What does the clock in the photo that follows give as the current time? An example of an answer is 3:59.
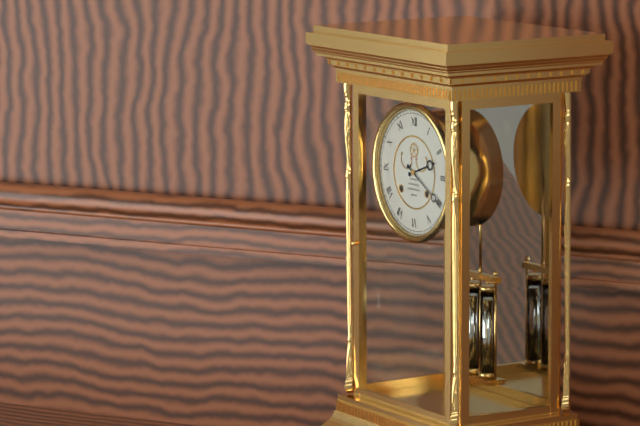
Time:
2:20
